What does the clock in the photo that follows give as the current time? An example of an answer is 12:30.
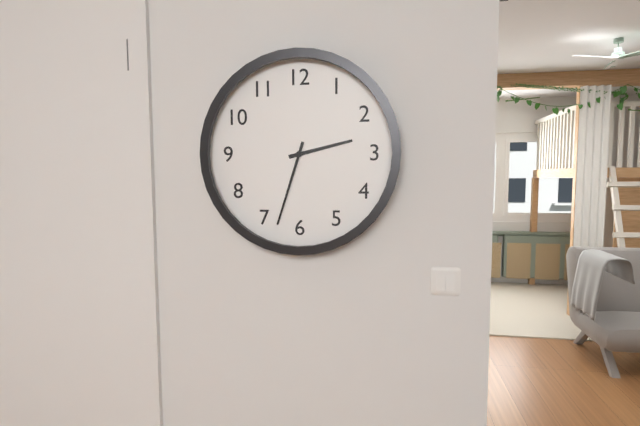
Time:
2:33
